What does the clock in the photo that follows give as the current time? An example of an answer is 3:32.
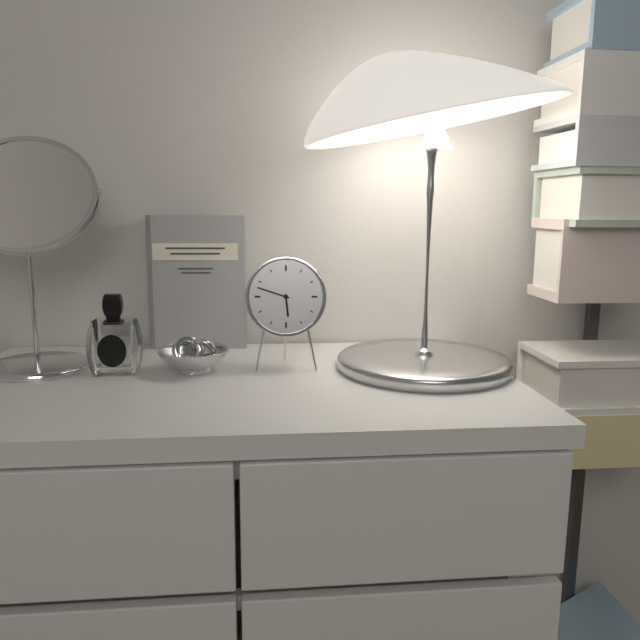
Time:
5:48
